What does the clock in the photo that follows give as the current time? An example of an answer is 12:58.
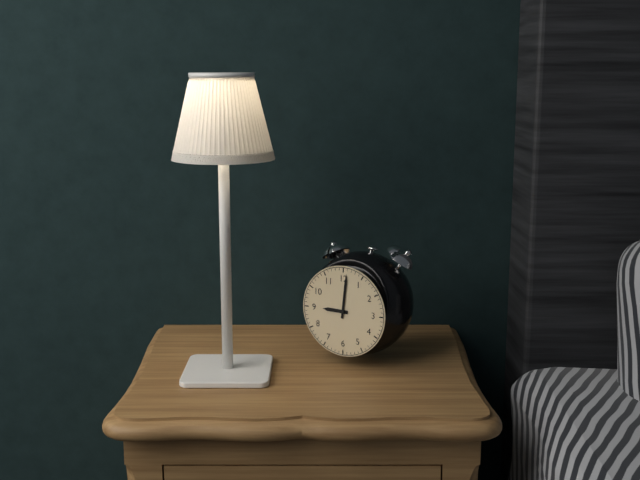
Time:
9:01
